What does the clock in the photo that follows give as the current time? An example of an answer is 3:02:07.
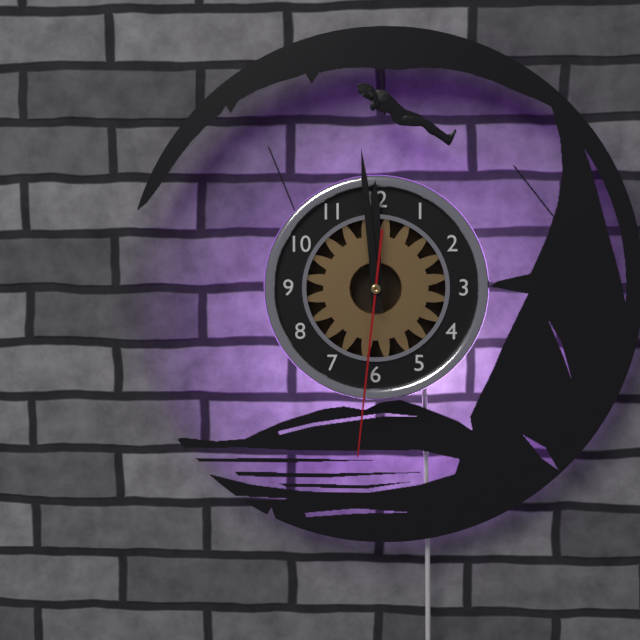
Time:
11:59:31
